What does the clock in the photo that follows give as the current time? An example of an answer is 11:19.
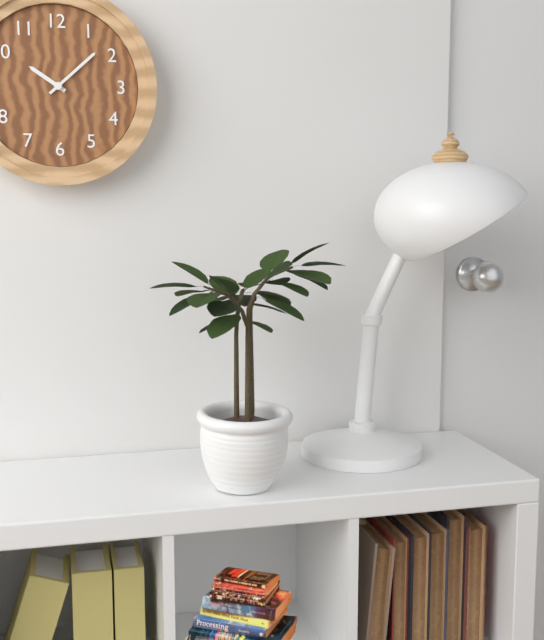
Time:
10:08
